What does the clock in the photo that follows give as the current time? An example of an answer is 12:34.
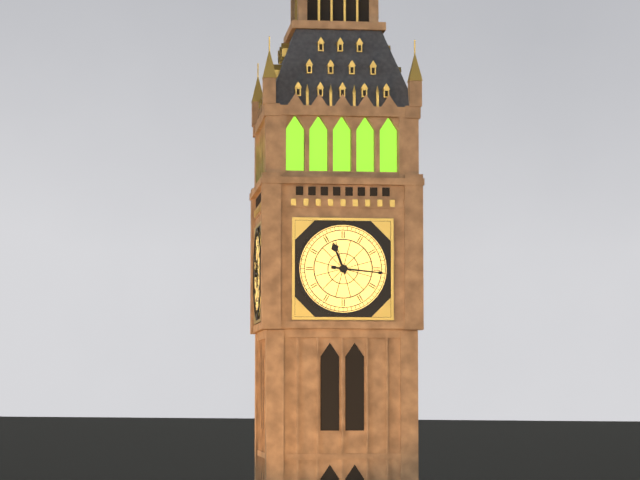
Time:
11:16
